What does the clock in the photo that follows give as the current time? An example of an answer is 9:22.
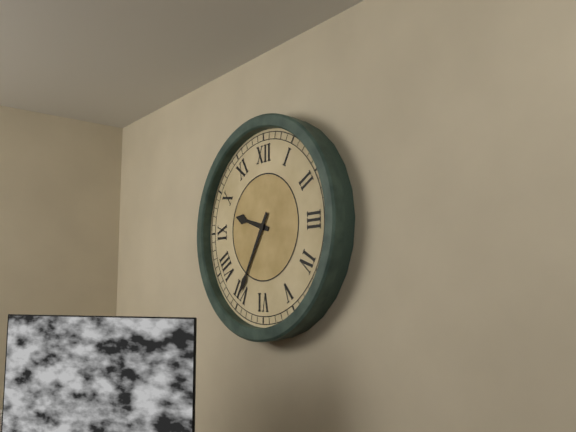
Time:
9:35
